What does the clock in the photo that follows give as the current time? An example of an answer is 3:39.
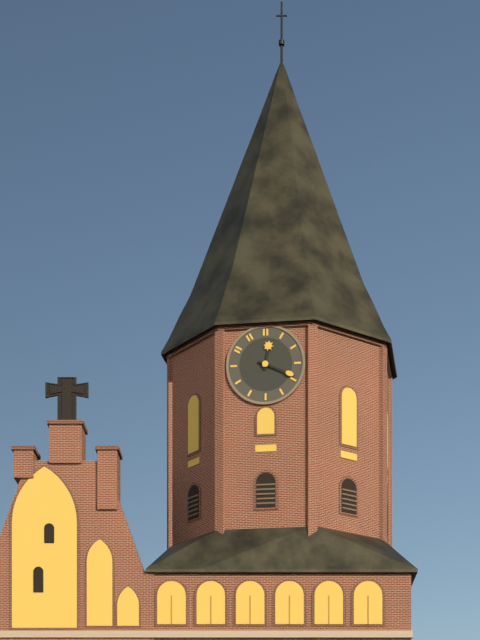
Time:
12:19
